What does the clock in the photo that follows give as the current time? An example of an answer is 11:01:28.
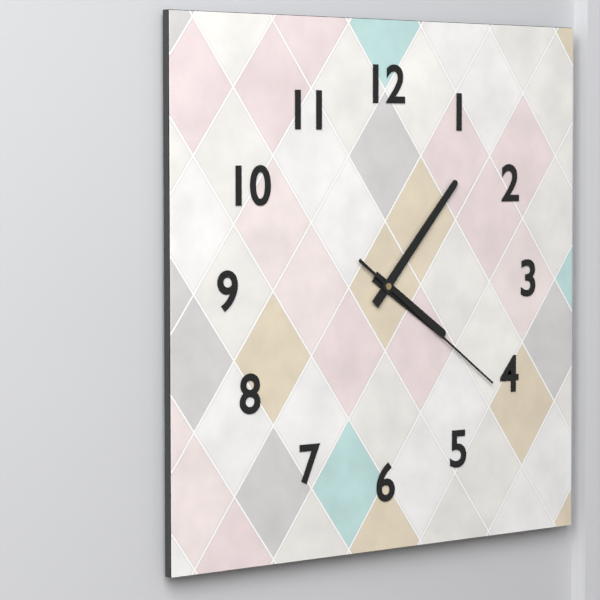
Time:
4:07:21
